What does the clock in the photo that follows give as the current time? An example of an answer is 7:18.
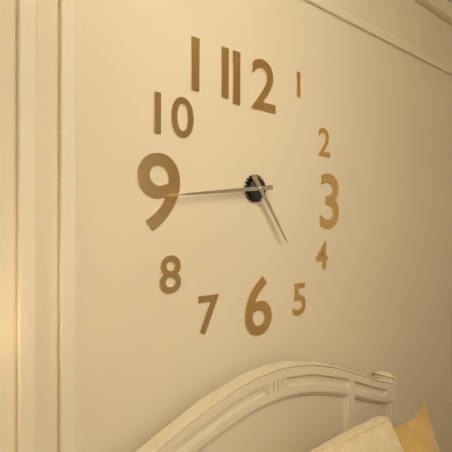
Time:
4:44
